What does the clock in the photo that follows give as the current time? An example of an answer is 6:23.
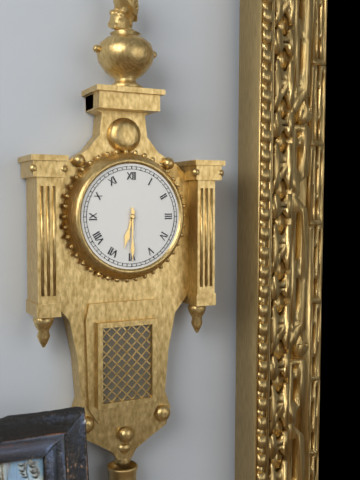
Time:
6:30
